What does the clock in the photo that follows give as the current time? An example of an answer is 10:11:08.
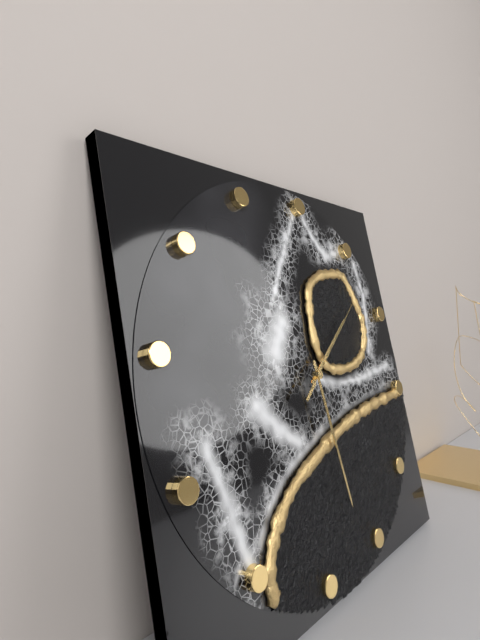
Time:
1:27:07
